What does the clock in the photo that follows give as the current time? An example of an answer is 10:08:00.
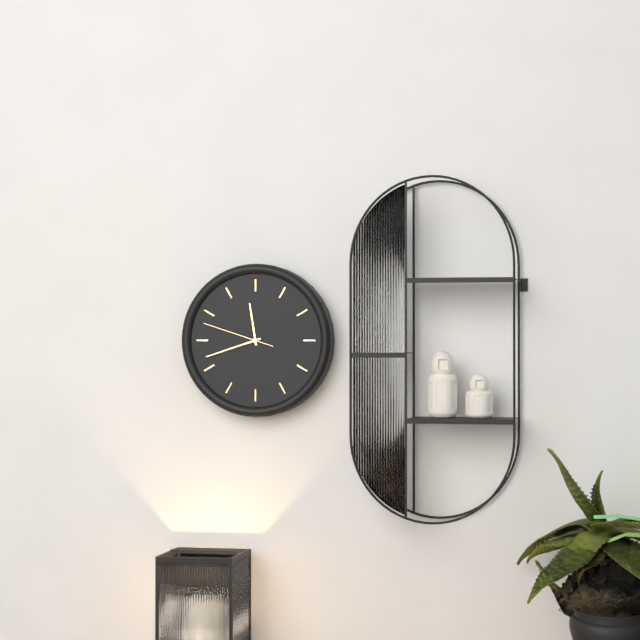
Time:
11:42:48
